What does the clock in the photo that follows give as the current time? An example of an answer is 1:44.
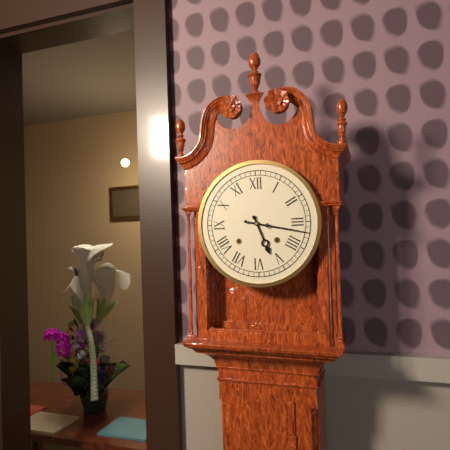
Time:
5:17
